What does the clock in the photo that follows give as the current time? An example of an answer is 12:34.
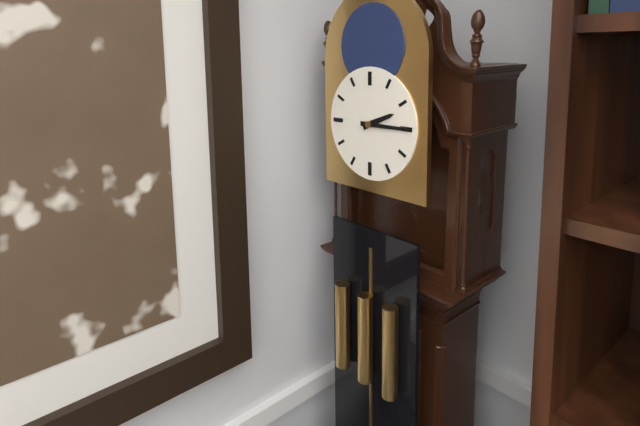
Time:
2:15
